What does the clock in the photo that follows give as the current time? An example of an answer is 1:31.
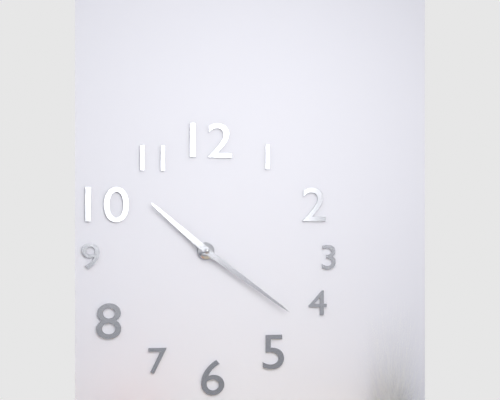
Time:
10:21
